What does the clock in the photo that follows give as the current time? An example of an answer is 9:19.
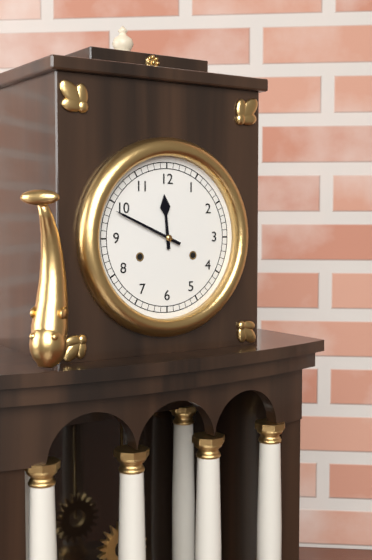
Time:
11:49
